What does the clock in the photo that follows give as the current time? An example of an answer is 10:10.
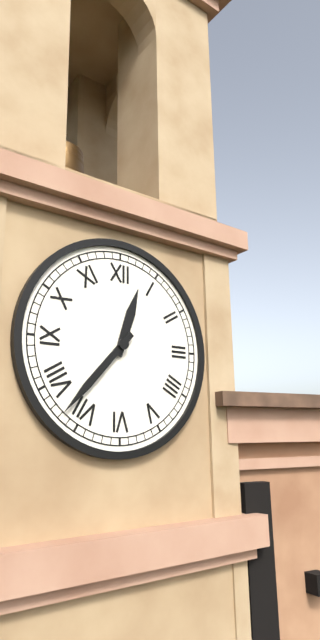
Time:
12:37
